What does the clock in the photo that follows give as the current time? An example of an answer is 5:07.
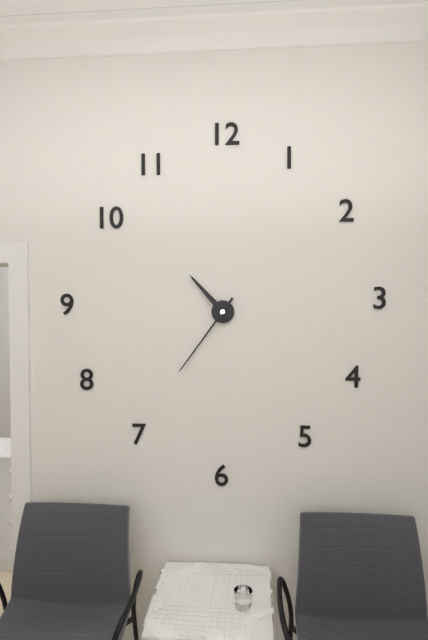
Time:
10:36
